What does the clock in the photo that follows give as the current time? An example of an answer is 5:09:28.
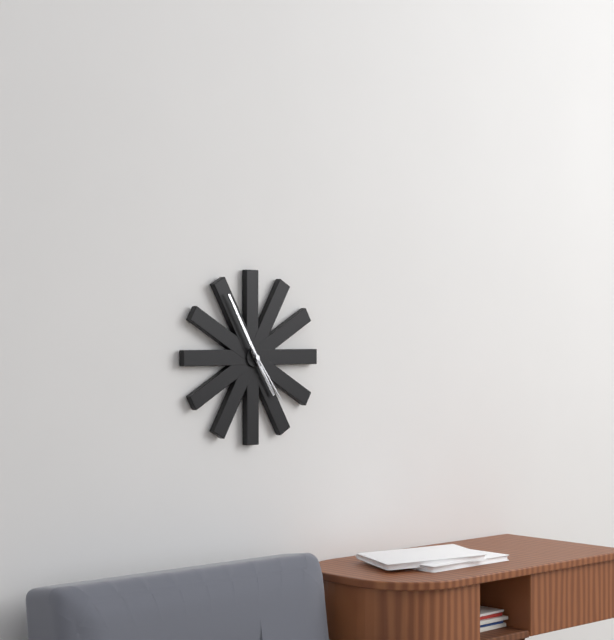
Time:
4:55:24
